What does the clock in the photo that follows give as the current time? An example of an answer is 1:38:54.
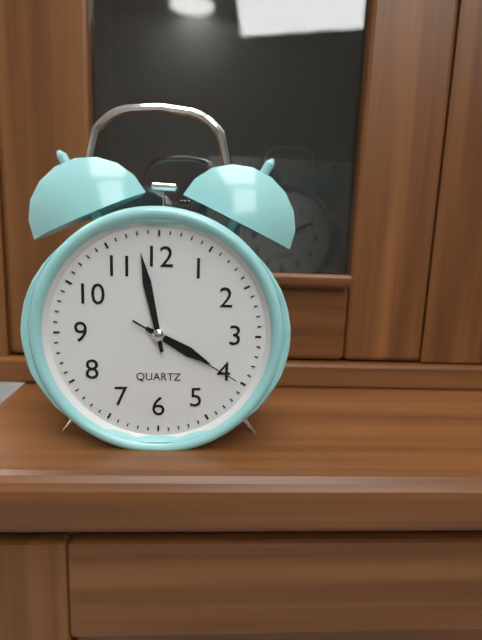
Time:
3:58:20
